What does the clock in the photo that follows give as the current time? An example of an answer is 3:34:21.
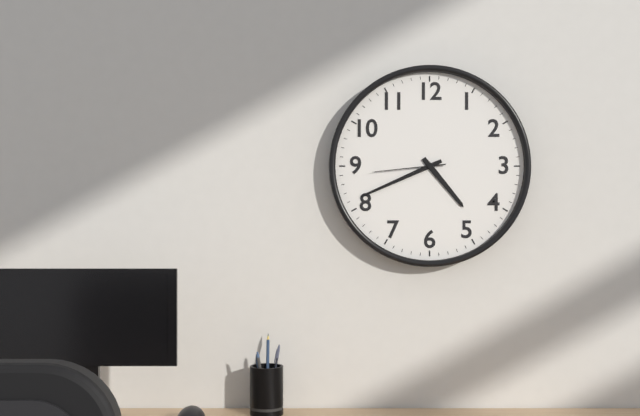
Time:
4:41:44
